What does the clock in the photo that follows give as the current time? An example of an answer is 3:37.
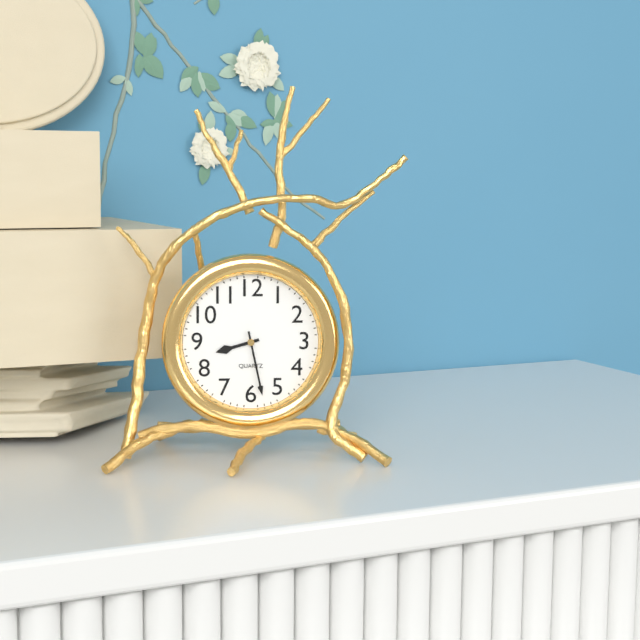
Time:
8:28
